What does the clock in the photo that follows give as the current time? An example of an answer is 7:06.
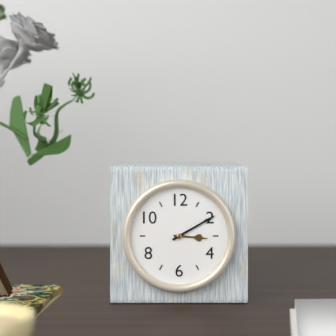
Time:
3:10
